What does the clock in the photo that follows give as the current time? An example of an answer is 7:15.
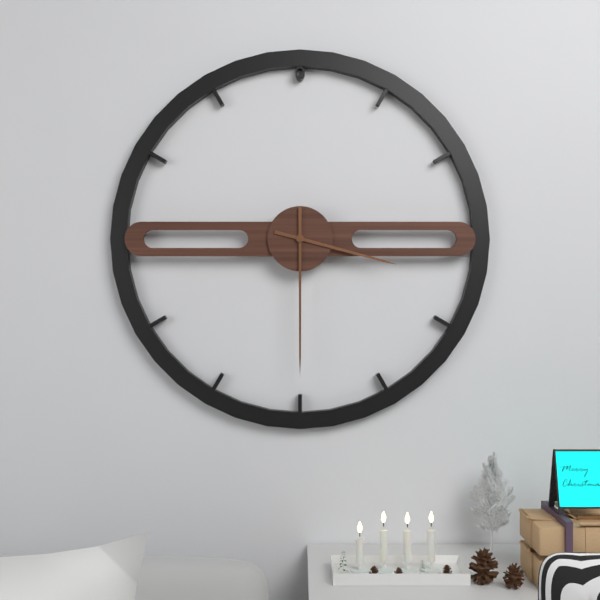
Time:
3:30
